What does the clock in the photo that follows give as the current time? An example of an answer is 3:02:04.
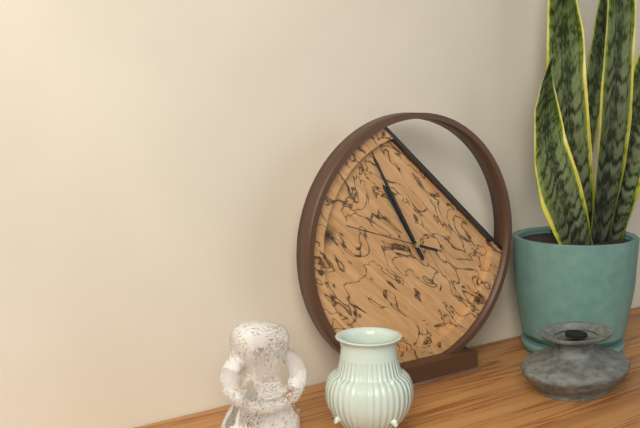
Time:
10:55:48
